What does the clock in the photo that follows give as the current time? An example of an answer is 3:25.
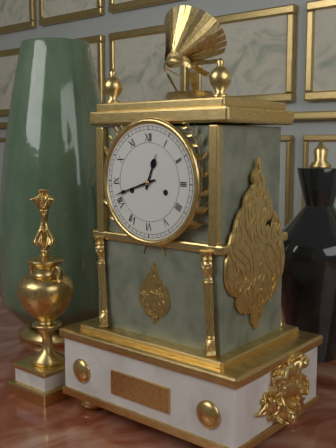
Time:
12:42
